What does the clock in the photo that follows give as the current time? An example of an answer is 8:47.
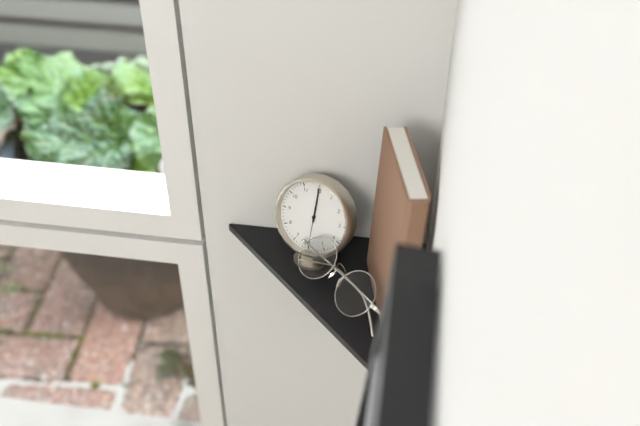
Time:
12:00
